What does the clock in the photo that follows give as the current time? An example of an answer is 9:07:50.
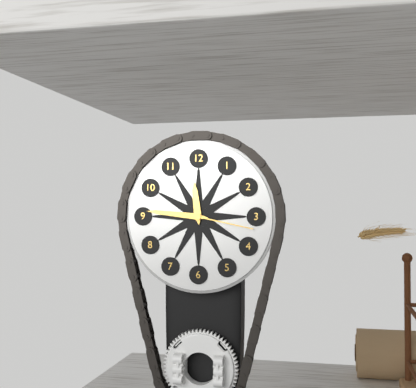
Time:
11:46:17
